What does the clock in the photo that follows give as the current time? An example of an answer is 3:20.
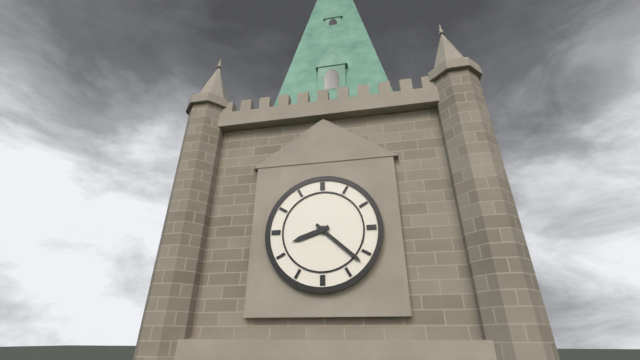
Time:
8:22
